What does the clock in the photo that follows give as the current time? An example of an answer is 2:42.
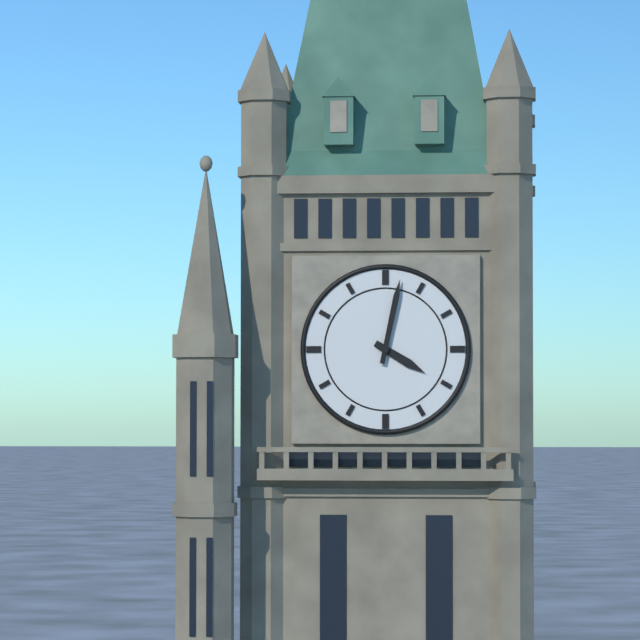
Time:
4:02
